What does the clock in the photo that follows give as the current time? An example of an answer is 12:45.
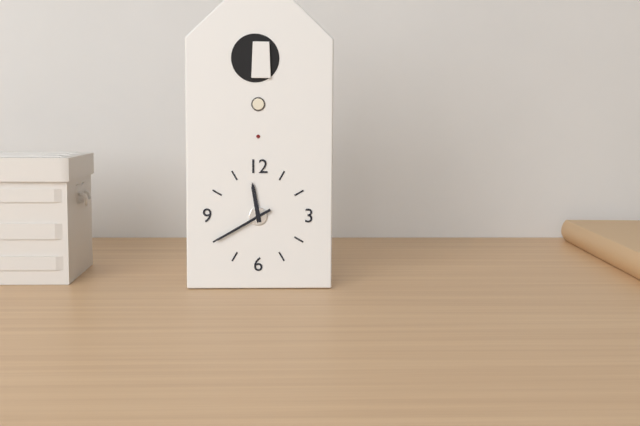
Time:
11:40
